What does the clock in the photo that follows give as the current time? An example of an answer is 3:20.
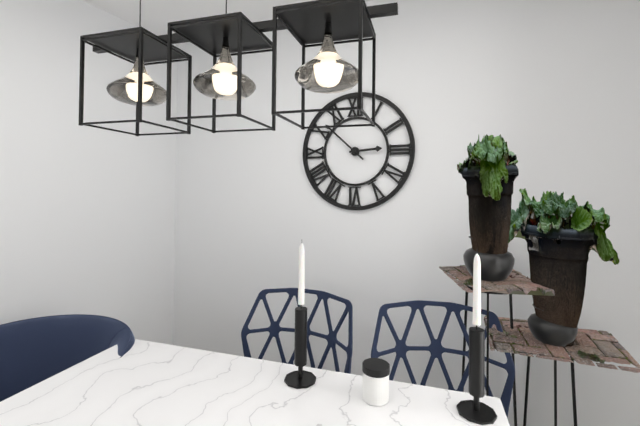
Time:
2:52
